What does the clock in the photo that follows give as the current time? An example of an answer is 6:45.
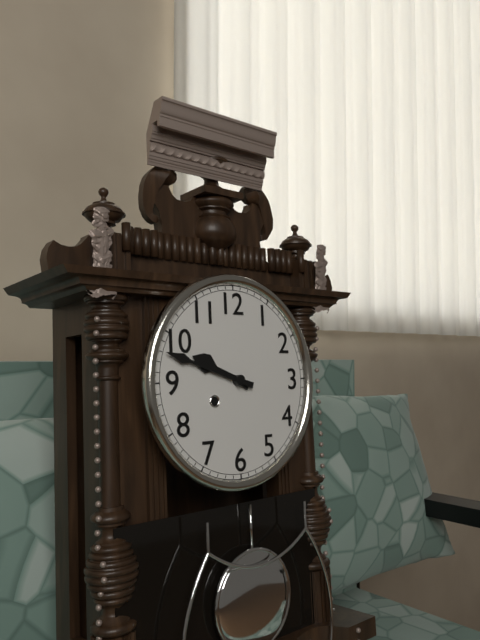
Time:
9:48
